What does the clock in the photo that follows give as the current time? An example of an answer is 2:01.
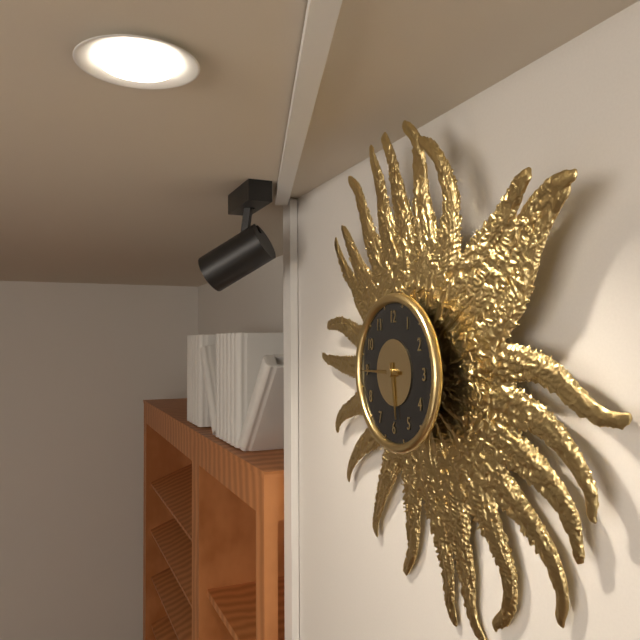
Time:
5:45
